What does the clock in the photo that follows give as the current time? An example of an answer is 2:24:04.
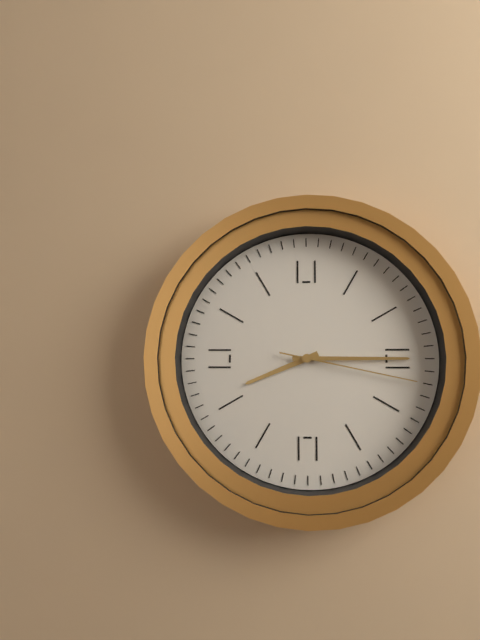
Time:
8:15:17
